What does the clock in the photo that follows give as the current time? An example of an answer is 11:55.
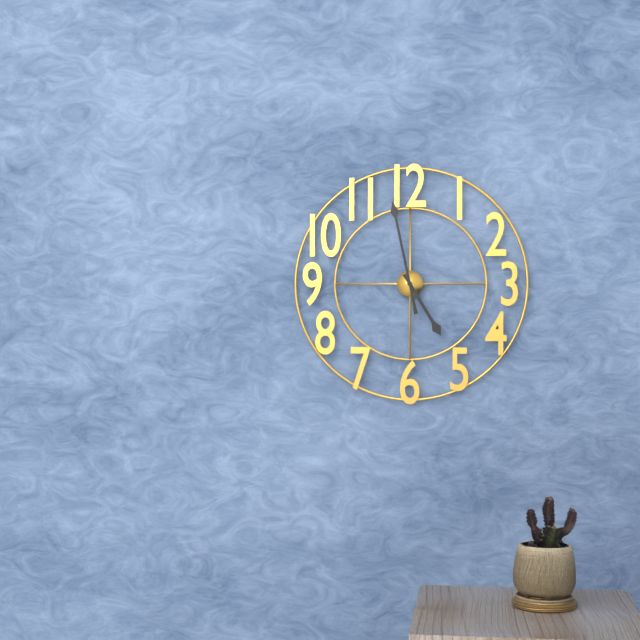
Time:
4:58
